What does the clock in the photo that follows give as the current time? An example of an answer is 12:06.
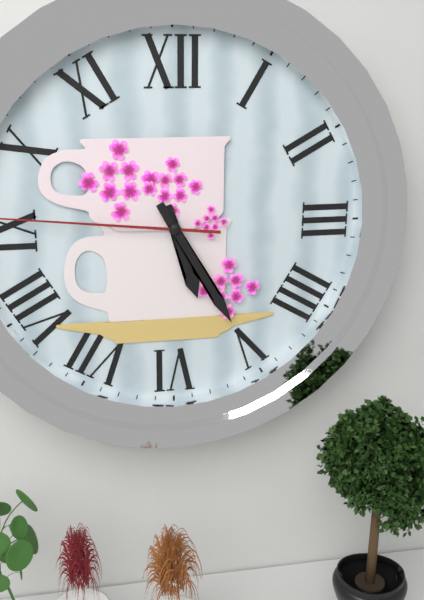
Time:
5:25
